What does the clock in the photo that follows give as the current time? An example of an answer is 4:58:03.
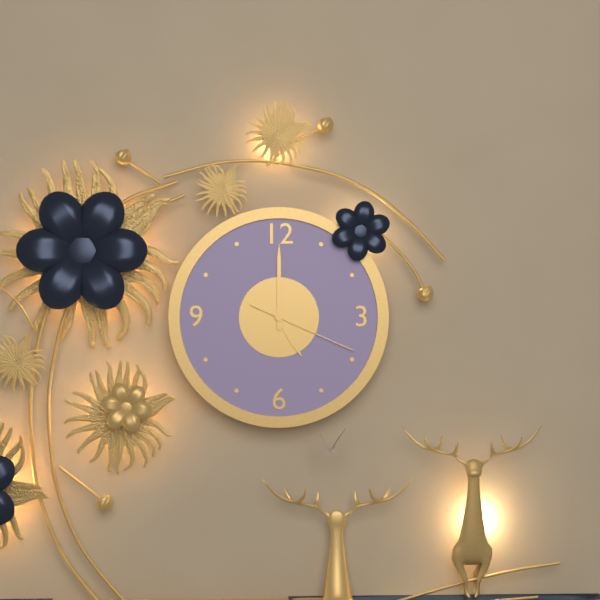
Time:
5:00:19
